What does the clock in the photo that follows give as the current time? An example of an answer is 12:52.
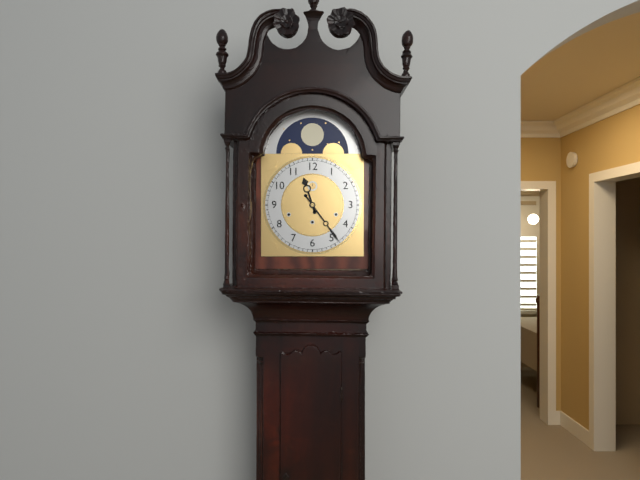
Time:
11:24
